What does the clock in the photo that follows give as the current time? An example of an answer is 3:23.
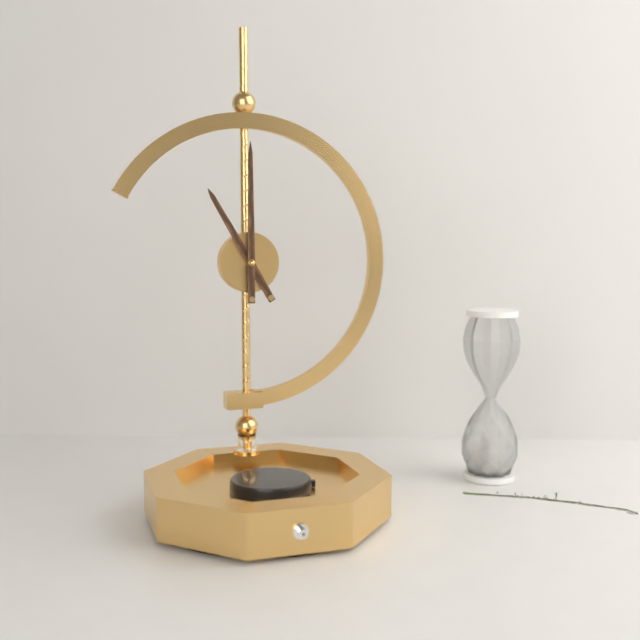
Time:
11:00
